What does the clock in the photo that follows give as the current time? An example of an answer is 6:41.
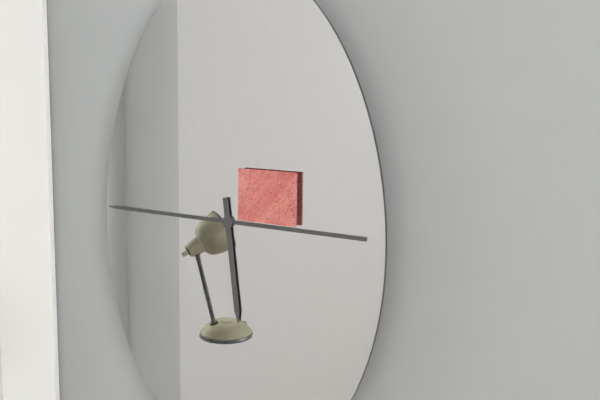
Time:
5:45
